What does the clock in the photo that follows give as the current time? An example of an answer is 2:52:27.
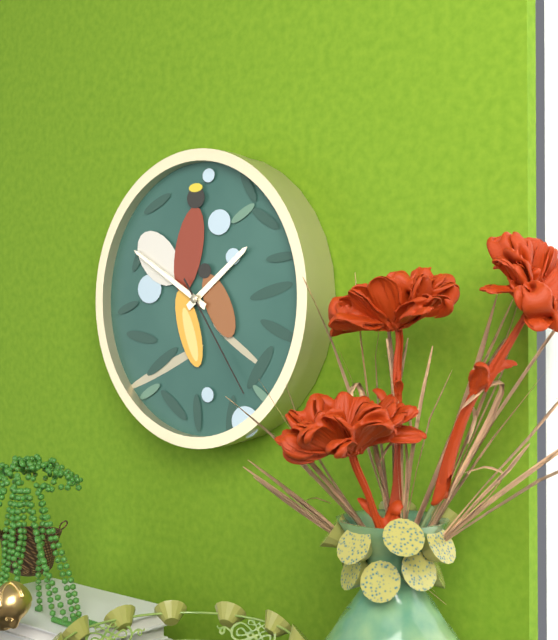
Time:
1:50:24
